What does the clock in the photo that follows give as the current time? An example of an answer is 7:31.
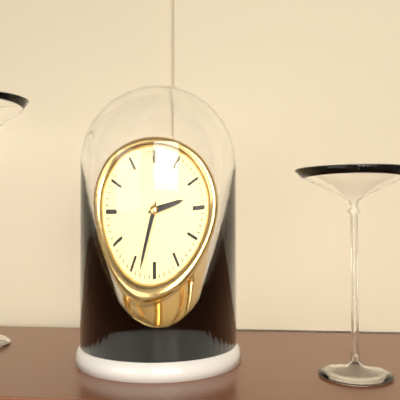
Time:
2:33
